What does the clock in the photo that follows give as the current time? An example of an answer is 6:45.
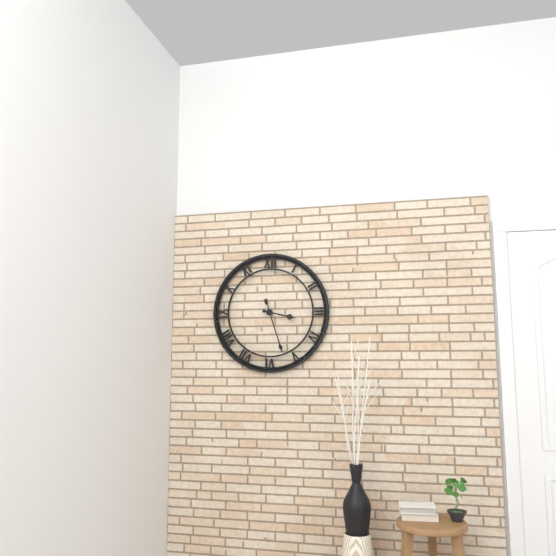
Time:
3:27
